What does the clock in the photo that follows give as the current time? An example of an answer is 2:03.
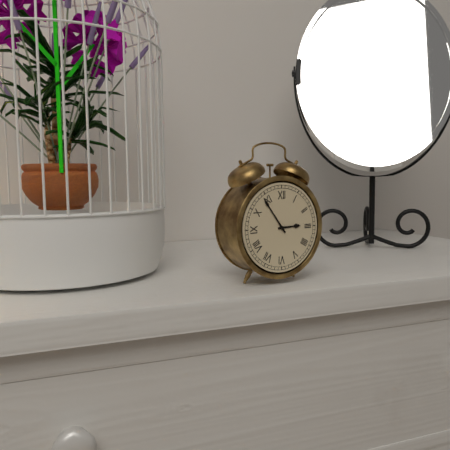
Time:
2:54
